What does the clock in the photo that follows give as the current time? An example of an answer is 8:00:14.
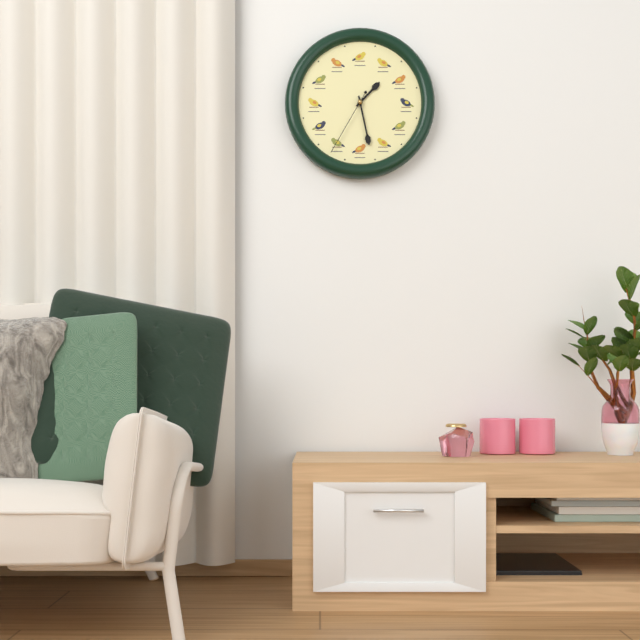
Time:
1:28:35
